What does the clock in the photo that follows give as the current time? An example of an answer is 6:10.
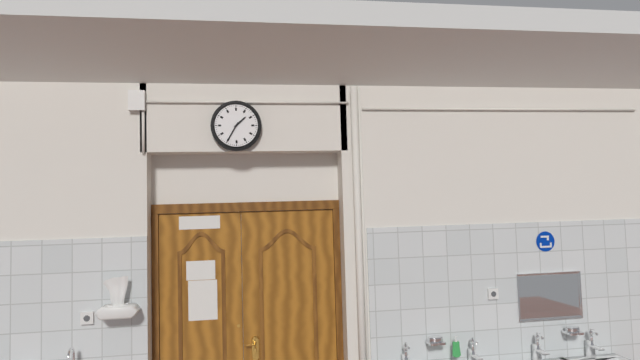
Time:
1:35
